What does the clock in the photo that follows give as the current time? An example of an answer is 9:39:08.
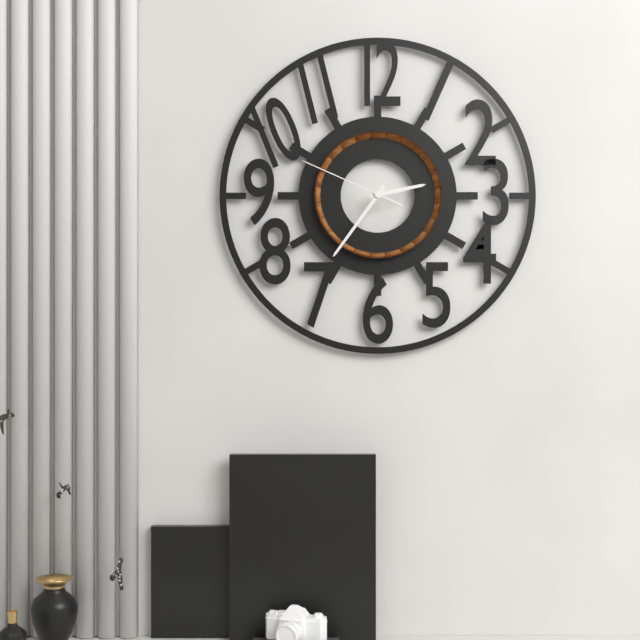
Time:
2:36:49
